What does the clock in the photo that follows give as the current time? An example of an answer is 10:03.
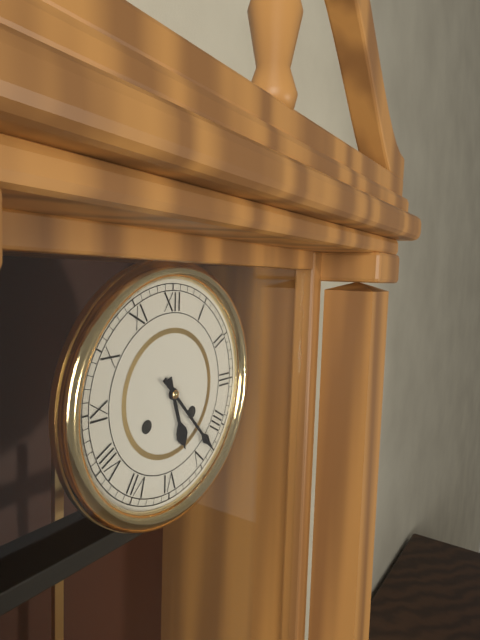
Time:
5:23
